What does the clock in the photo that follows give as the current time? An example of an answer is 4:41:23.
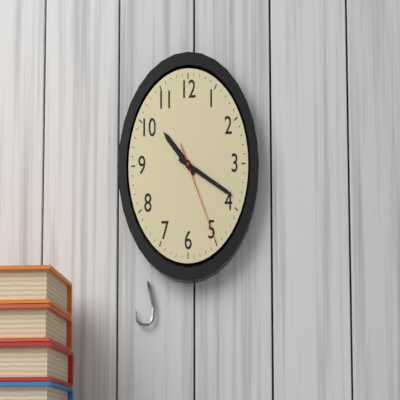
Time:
10:19:25
